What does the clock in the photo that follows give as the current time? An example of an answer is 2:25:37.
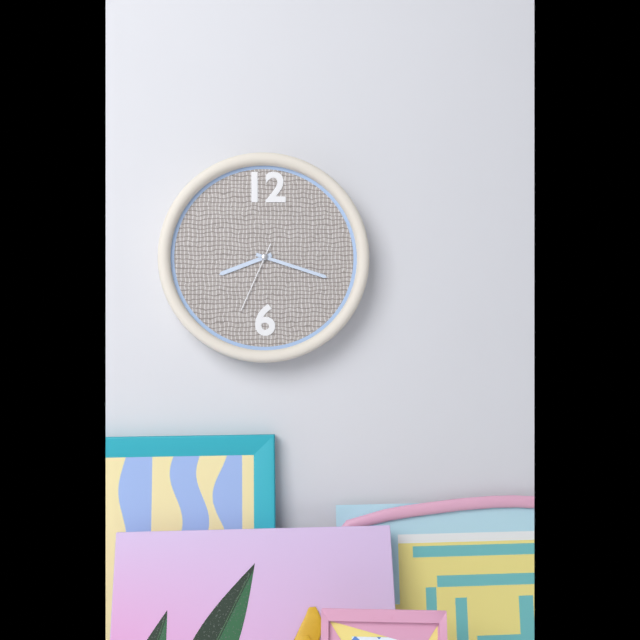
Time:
8:18:34
